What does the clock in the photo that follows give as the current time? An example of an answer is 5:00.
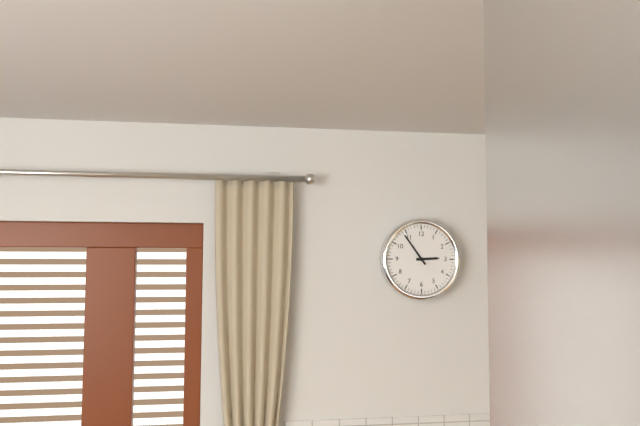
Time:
2:54
